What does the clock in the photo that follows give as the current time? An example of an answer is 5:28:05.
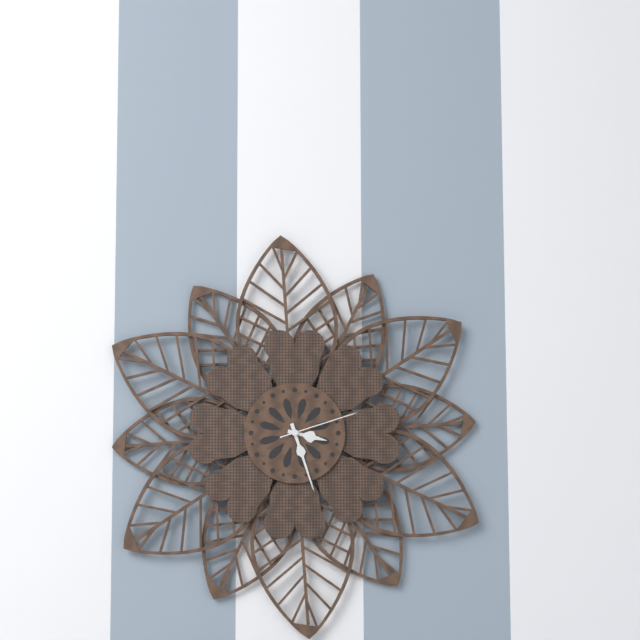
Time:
3:27:12
